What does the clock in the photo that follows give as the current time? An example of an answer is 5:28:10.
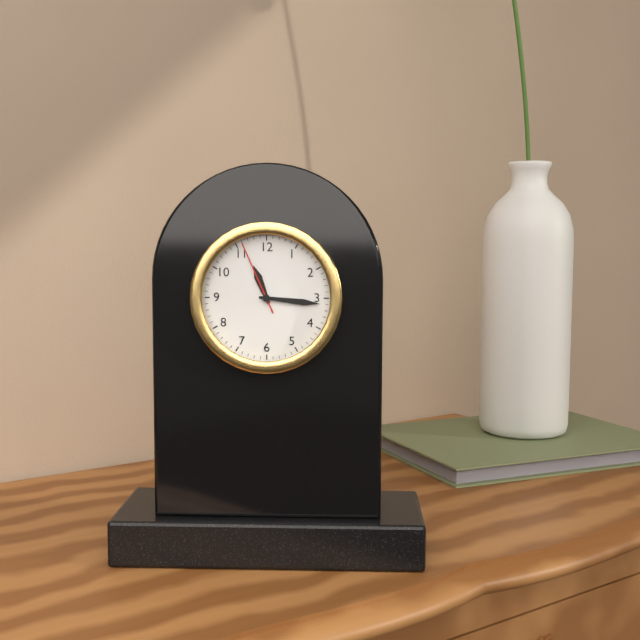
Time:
11:16:56
